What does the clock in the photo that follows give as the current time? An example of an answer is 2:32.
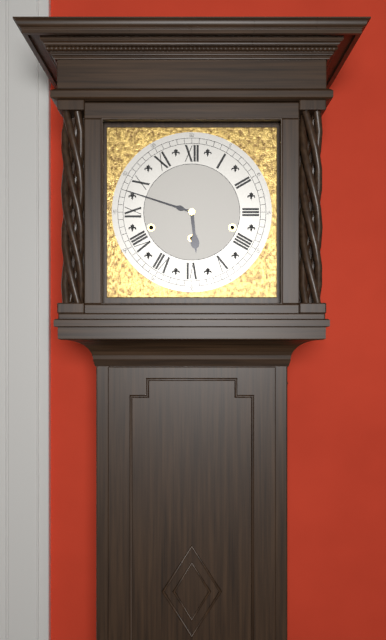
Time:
5:48
